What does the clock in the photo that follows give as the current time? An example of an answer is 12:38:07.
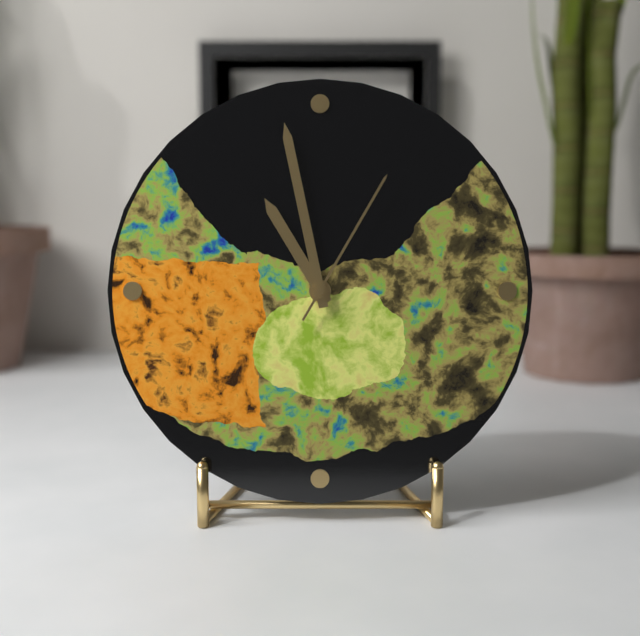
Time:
10:58:05
